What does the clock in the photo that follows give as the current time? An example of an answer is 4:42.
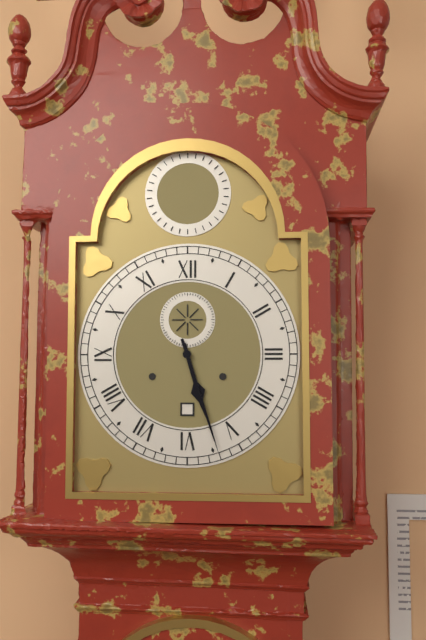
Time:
5:27
